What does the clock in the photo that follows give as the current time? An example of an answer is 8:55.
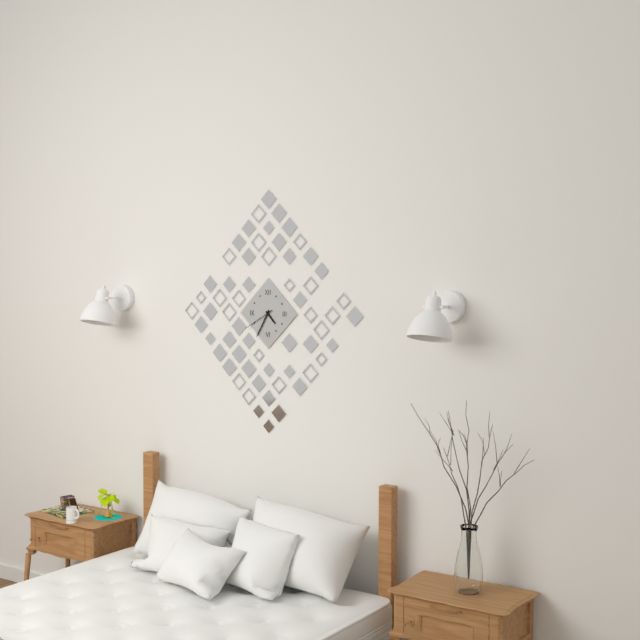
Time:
4:35
